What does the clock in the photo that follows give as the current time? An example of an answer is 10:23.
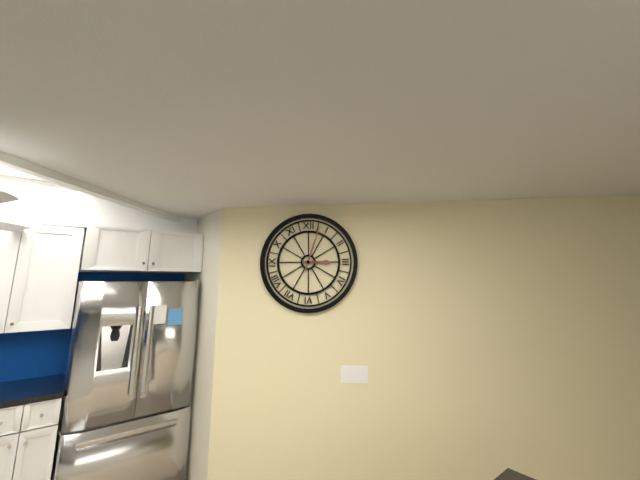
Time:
3:03
